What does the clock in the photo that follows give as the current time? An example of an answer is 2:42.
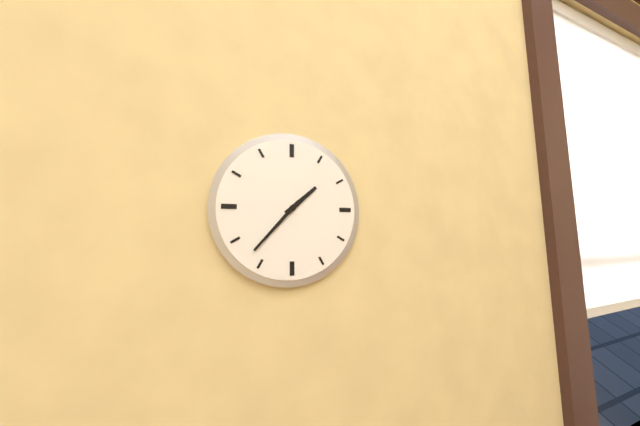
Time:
1:37
